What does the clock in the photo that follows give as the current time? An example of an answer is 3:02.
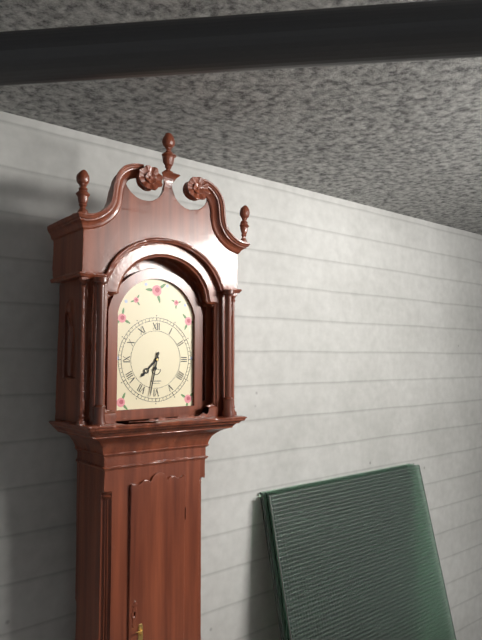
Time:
7:32
